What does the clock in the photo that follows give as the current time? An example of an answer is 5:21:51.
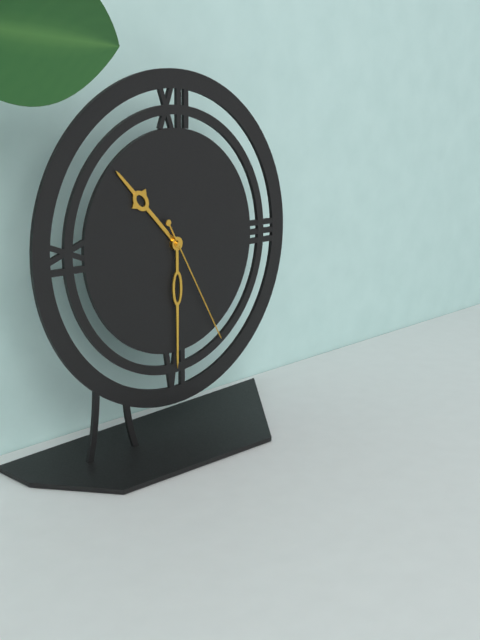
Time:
10:30:25
